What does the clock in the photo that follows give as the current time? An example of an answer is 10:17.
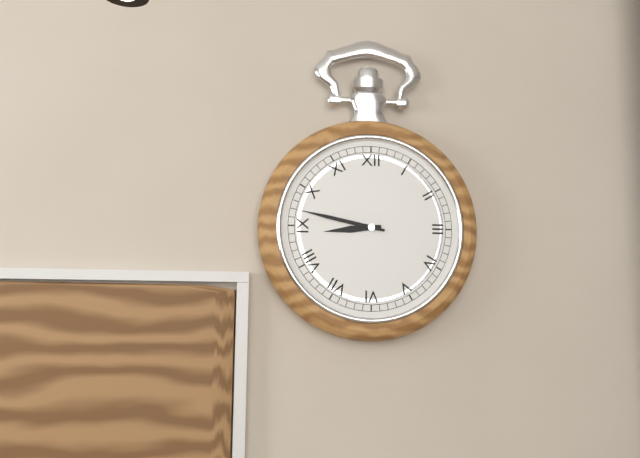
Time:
8:47
